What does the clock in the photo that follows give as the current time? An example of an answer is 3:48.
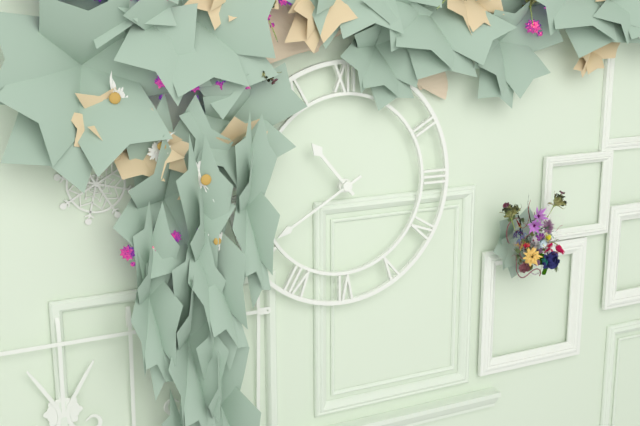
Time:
10:40
